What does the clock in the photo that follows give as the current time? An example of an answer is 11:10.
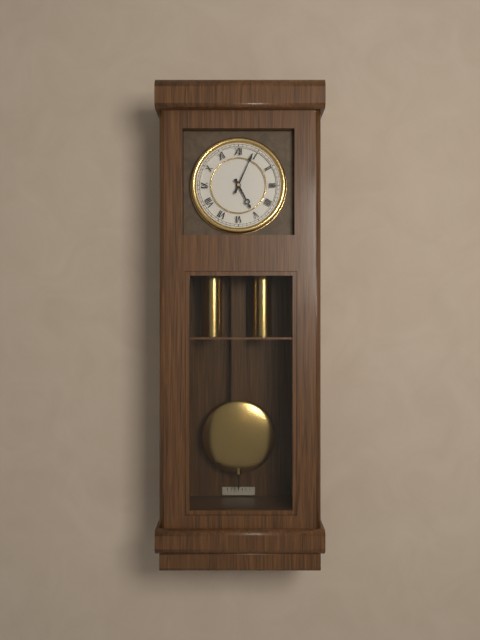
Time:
5:04
